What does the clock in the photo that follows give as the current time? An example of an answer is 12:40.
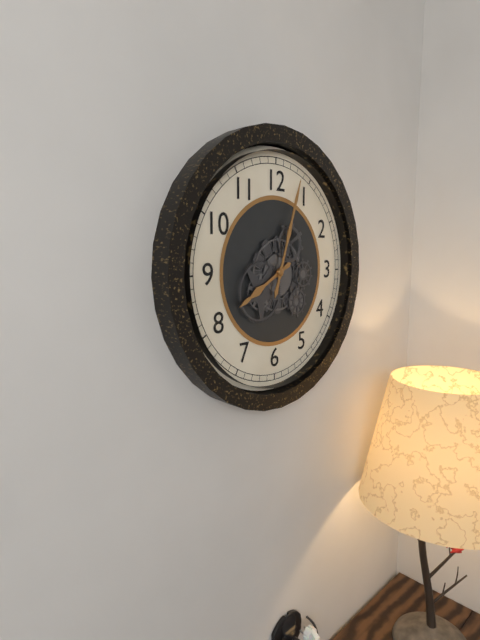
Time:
8:03
